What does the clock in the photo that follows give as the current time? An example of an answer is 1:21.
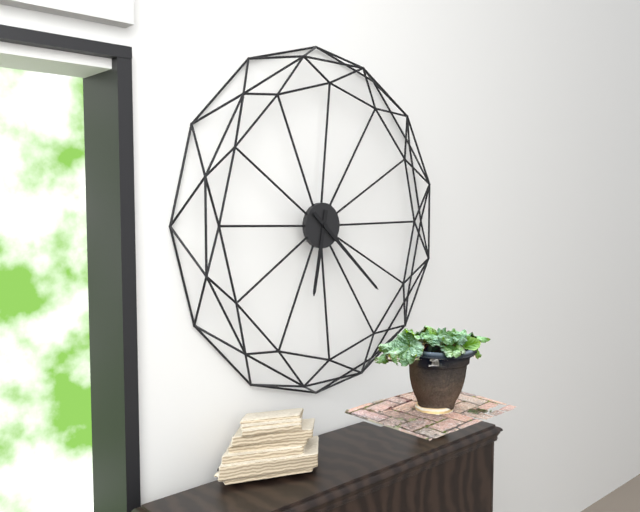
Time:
6:22
